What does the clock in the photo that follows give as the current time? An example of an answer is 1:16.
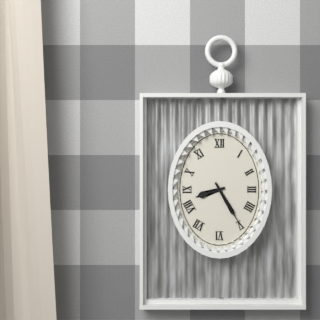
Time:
8:25
